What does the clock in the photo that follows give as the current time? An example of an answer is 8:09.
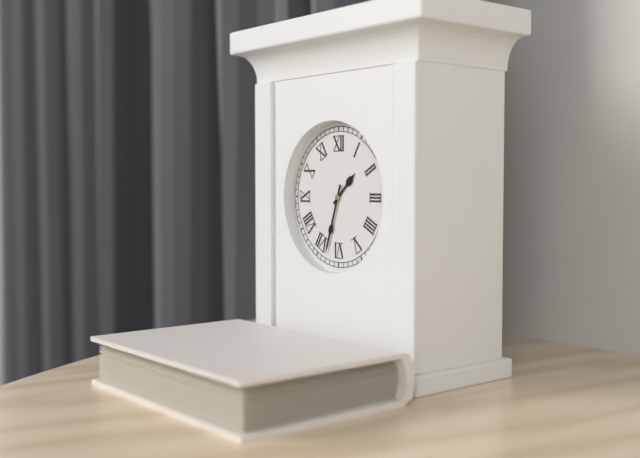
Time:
1:33
